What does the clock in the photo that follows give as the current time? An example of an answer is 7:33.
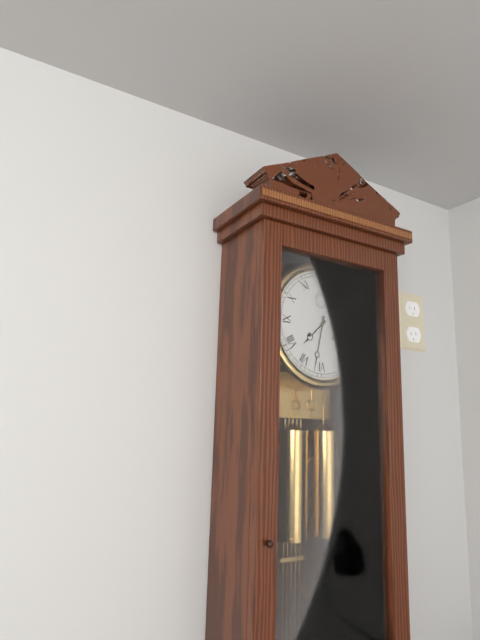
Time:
7:32
